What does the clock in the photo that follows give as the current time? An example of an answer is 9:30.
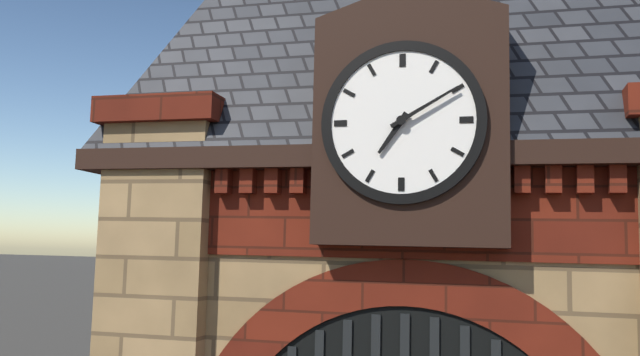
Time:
7:10
